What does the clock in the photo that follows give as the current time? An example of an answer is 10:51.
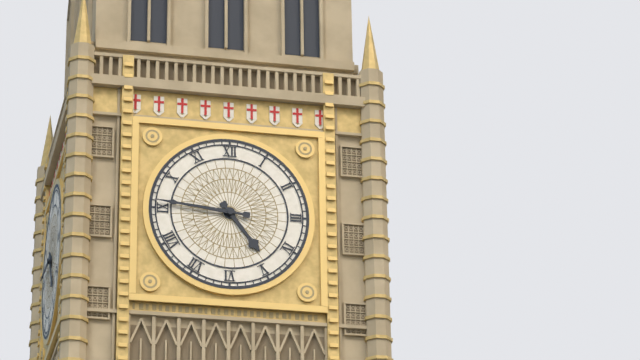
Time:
4:46
